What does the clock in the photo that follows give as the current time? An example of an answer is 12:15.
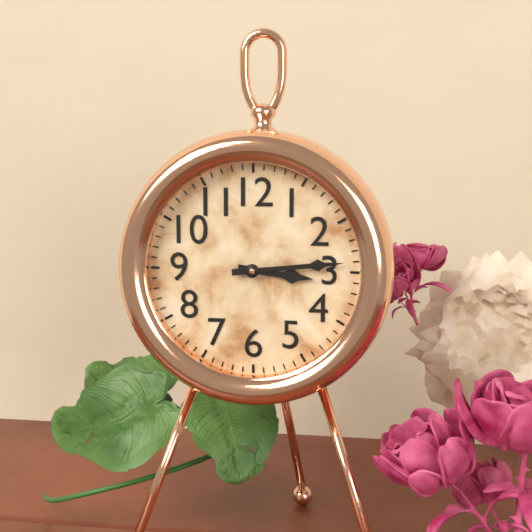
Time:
3:14
